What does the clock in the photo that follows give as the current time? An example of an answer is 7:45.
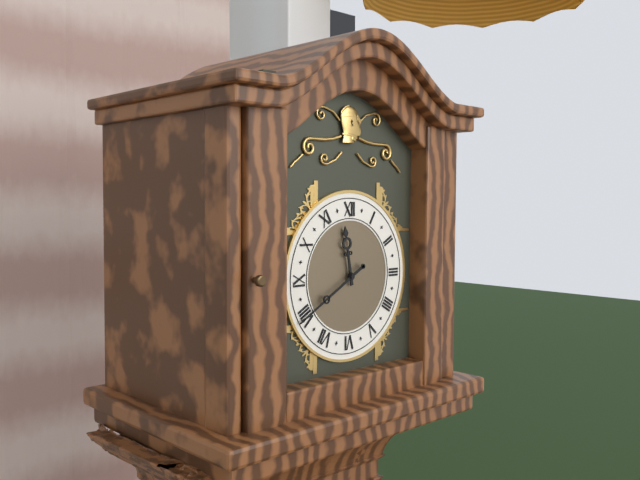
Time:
11:40
